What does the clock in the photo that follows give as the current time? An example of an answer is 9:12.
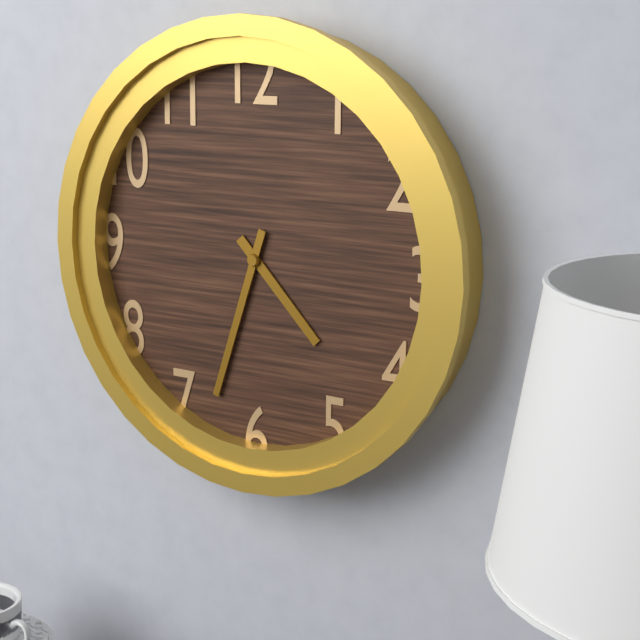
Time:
4:33
